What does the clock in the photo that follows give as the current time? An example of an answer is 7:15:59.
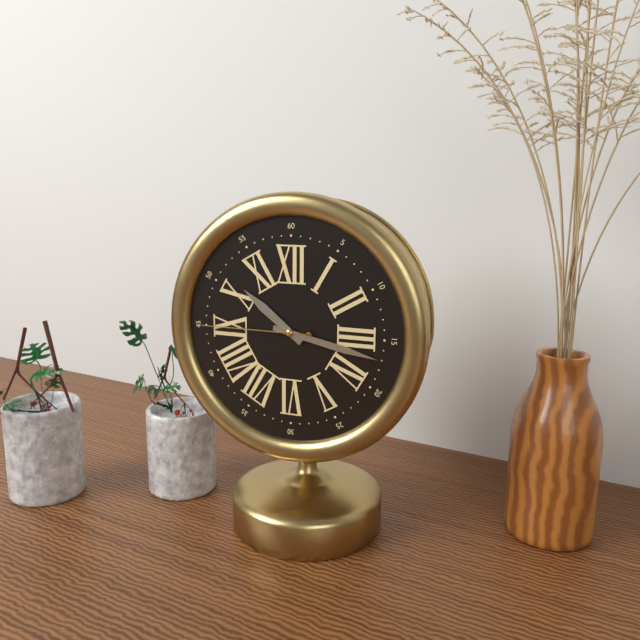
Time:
10:17:45
